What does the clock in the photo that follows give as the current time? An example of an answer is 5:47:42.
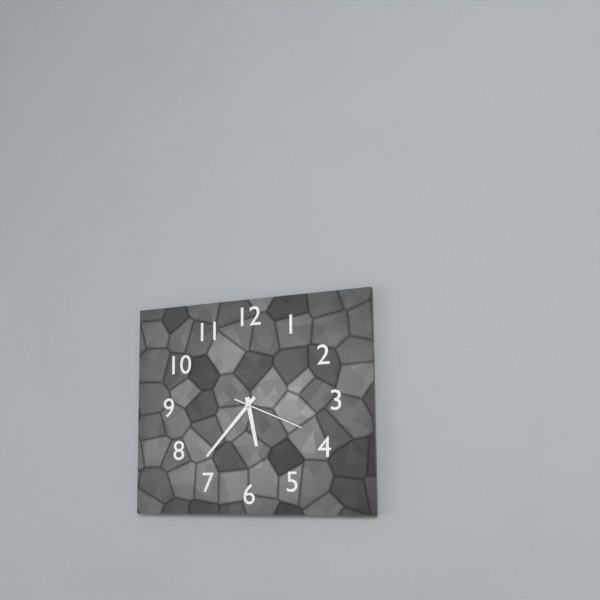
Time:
5:37:19
